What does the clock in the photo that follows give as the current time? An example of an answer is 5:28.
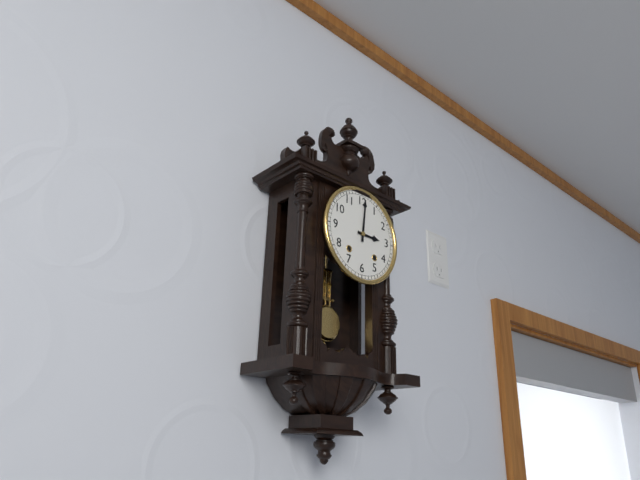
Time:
3:01
